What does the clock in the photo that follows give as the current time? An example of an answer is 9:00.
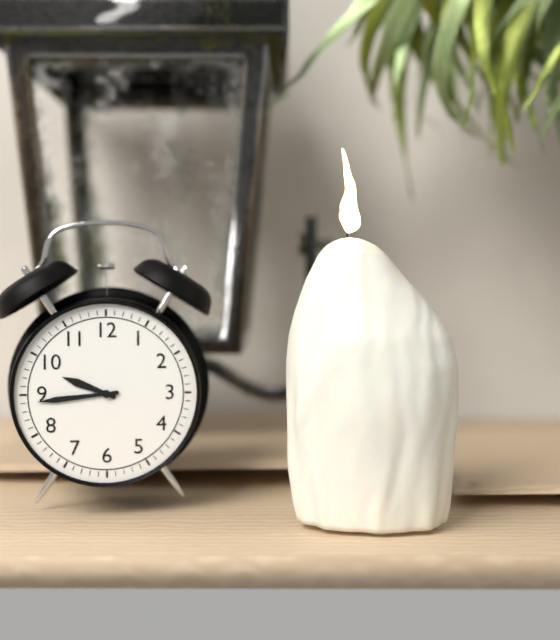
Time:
9:44
